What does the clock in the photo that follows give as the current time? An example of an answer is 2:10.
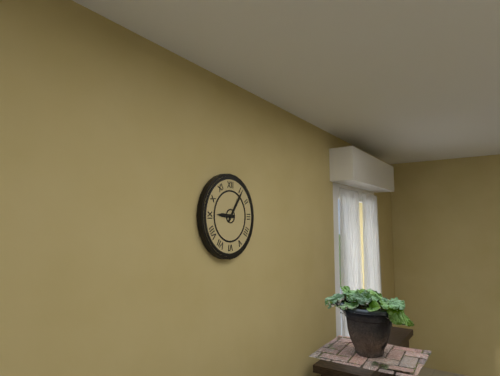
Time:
9:06
